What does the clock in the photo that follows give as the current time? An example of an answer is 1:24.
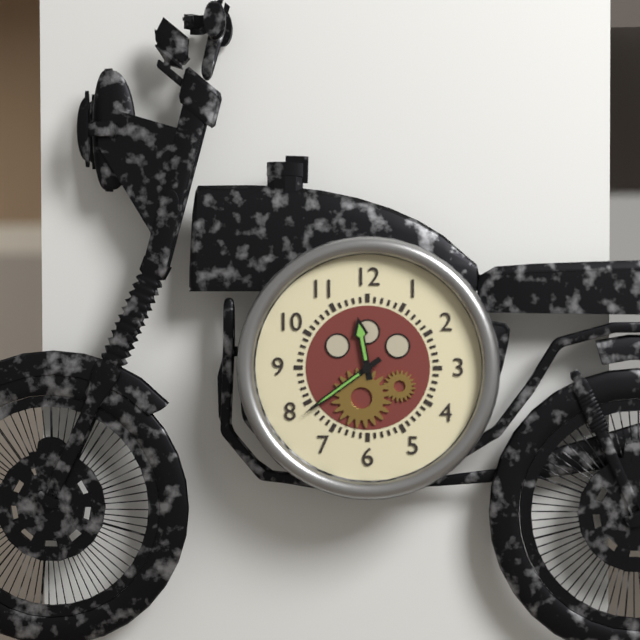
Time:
11:39
